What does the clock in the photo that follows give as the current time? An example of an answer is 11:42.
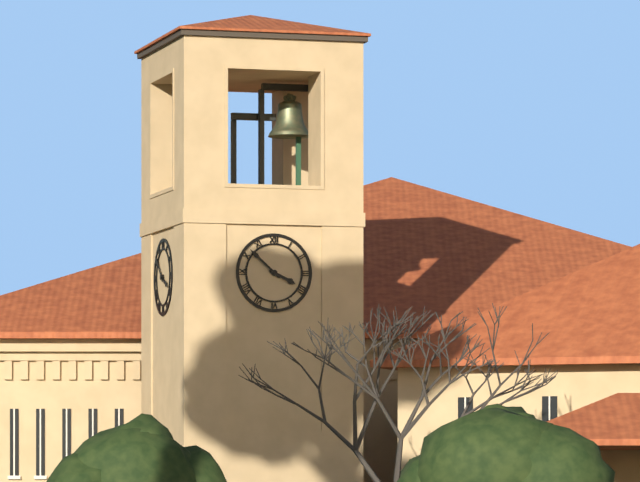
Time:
3:52
